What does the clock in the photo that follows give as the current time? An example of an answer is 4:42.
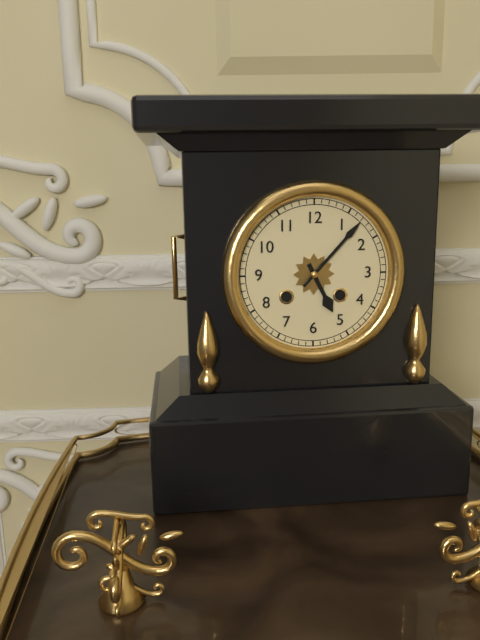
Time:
5:07
